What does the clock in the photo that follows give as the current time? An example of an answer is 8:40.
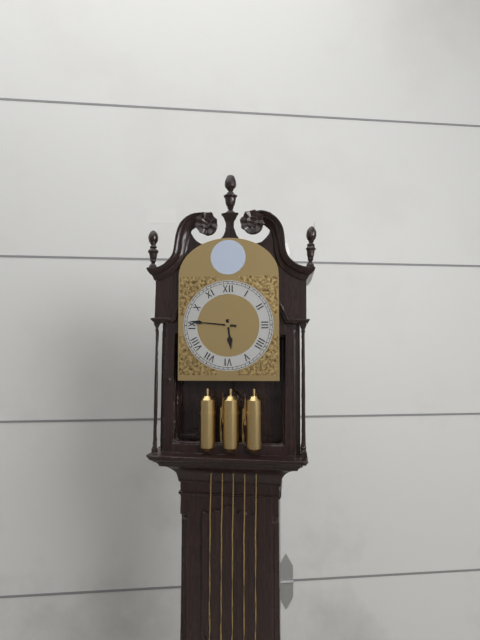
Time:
5:46
